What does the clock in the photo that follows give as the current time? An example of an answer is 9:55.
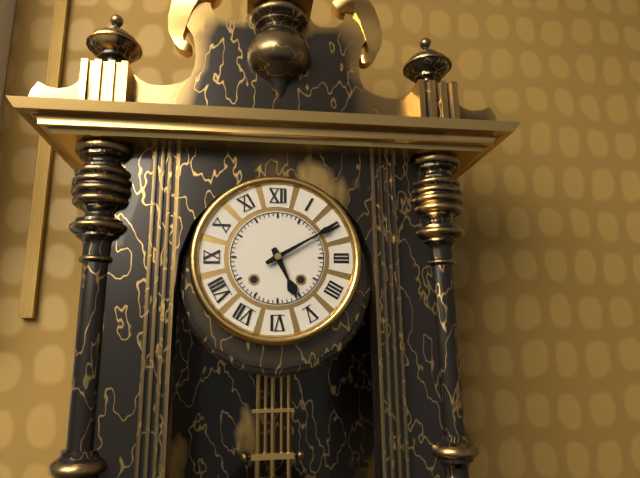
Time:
5:10
